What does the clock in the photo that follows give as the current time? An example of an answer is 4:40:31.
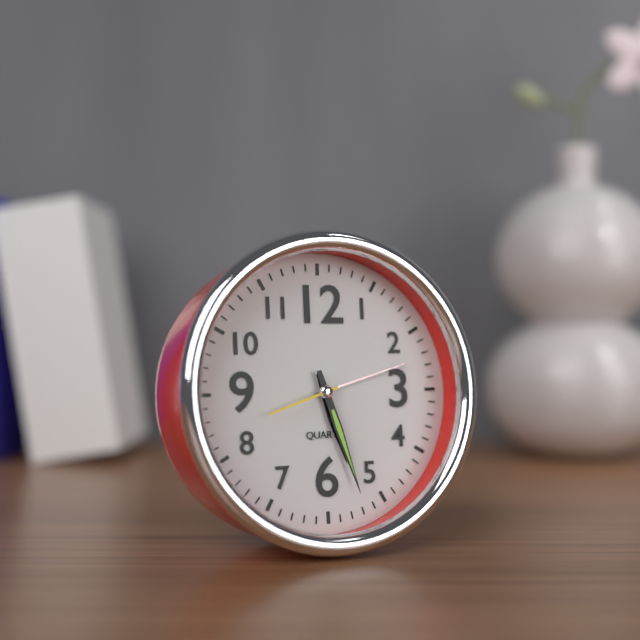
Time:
5:27:42
